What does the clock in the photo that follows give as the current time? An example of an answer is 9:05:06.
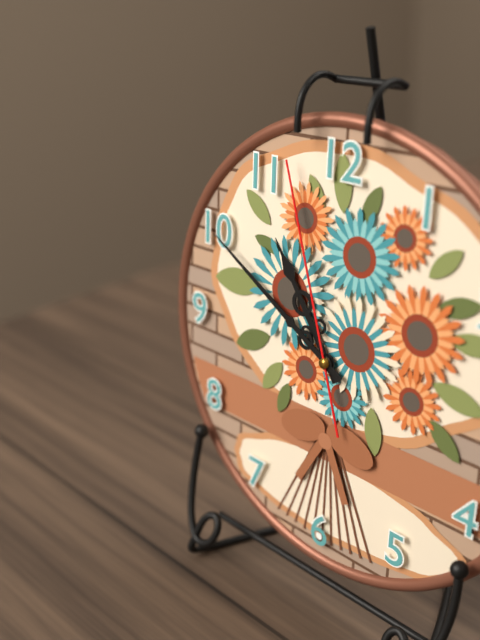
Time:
10:50:57
